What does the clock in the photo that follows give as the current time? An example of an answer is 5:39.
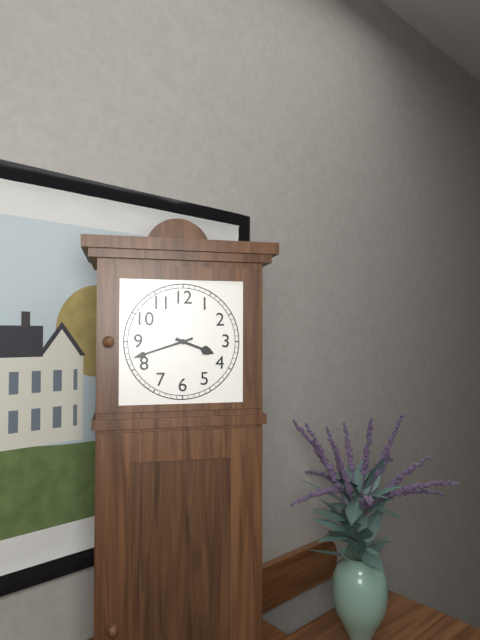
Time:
3:42
